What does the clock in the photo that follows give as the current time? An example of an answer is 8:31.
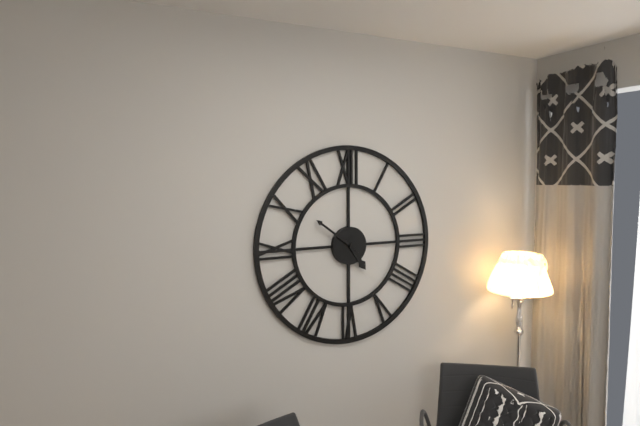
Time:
4:51
